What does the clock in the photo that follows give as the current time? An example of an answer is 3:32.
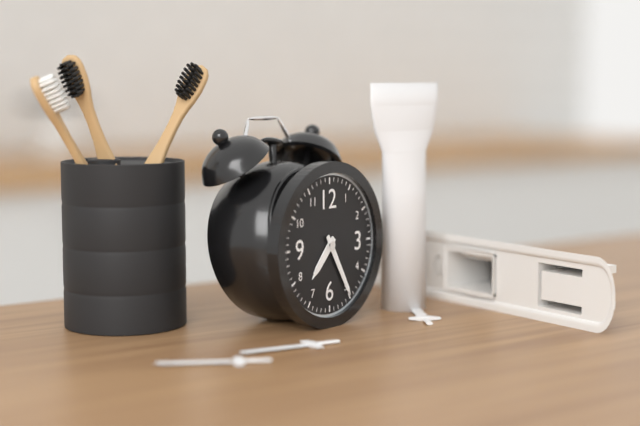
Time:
7:25
